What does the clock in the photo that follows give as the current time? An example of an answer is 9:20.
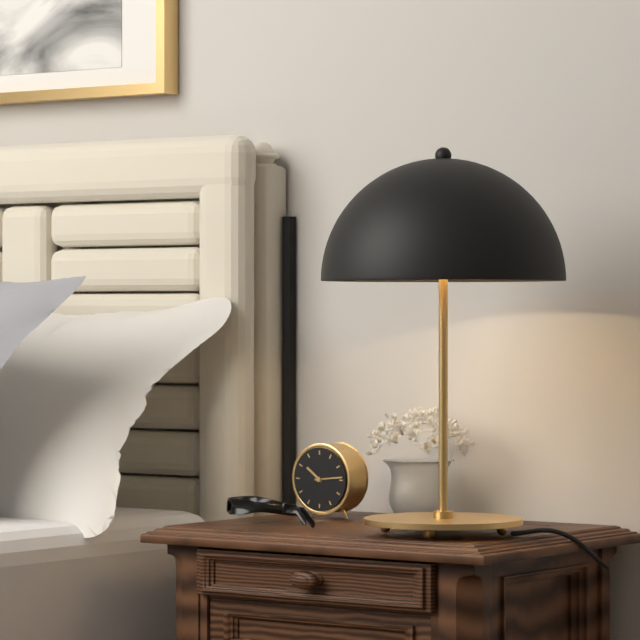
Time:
10:14
